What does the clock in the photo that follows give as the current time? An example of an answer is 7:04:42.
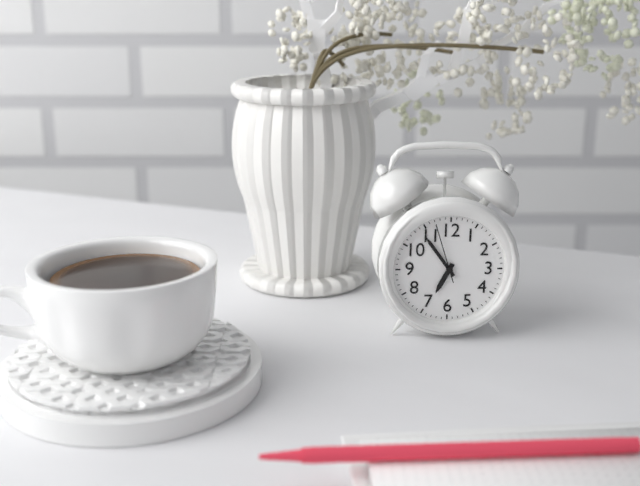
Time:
6:54:57
